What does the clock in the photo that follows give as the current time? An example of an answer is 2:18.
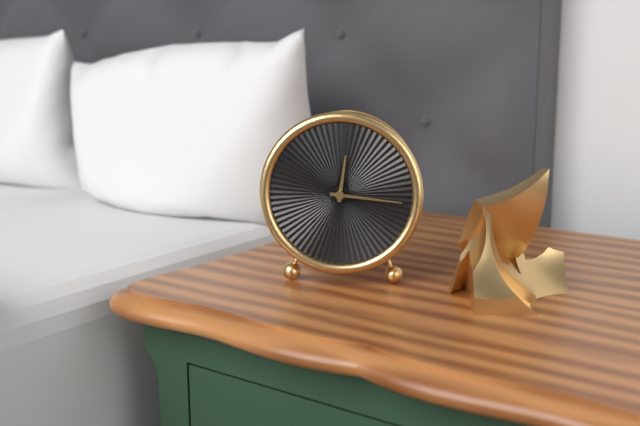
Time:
12:16
